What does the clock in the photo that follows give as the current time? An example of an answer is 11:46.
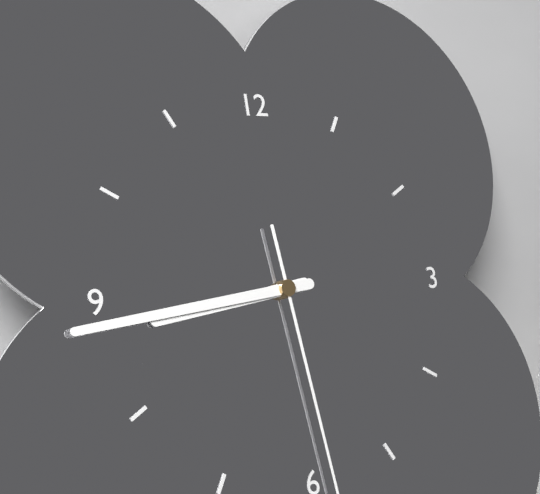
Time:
8:44
